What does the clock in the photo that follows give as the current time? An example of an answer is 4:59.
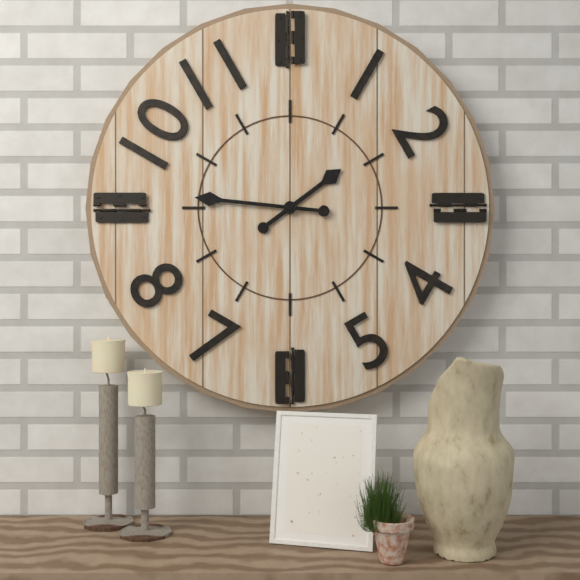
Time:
1:46
